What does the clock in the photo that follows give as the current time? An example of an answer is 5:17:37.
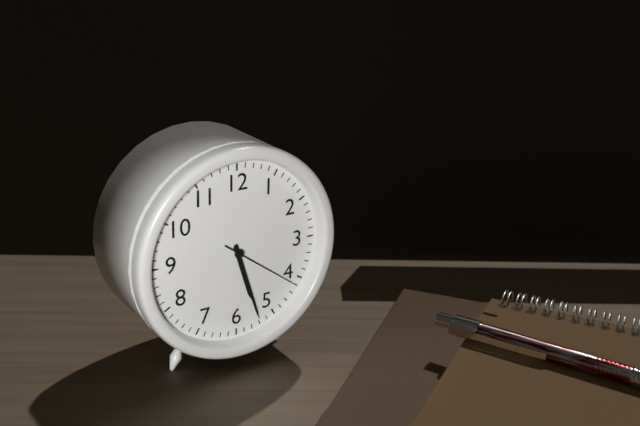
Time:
5:27:21
